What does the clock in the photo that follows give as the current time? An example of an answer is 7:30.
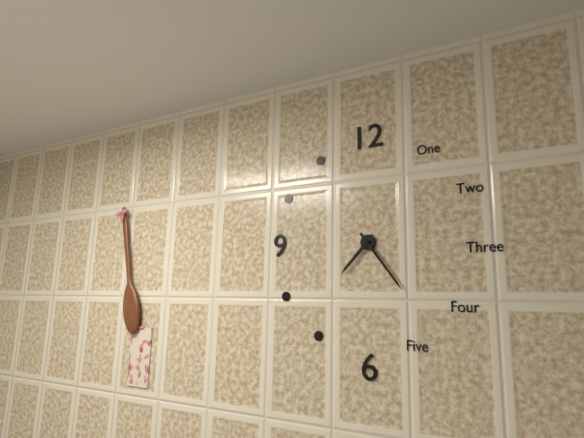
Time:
7:24
